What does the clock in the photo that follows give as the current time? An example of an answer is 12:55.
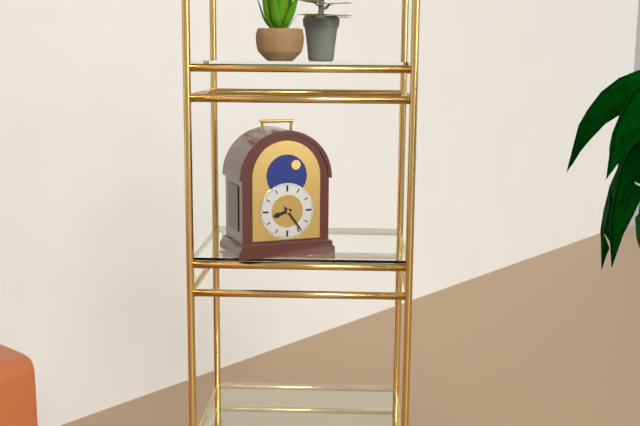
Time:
8:24
